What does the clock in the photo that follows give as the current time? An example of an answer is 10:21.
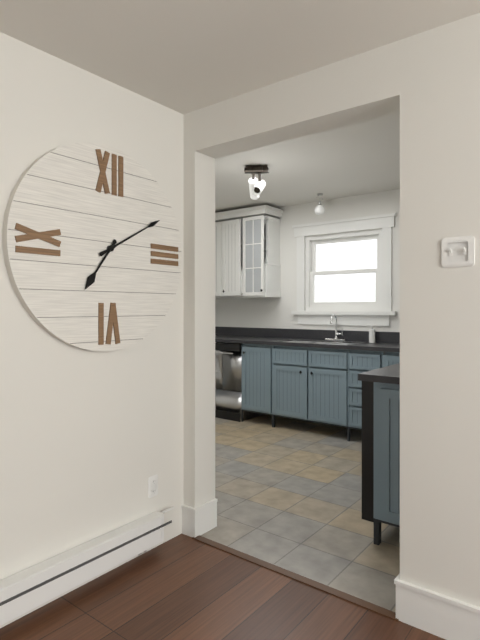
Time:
7:10
